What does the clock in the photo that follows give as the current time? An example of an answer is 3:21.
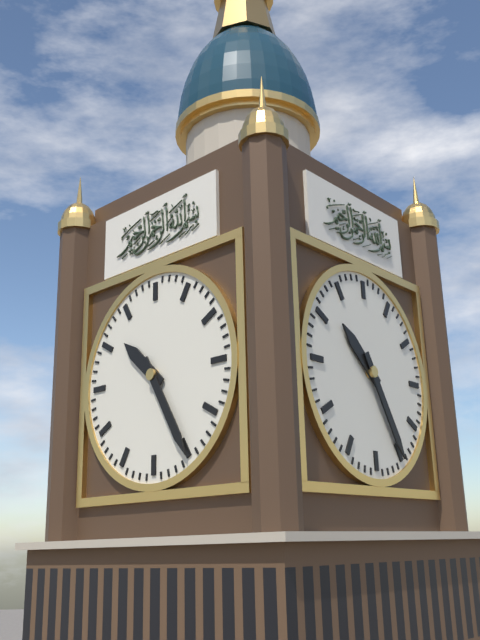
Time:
10:25
